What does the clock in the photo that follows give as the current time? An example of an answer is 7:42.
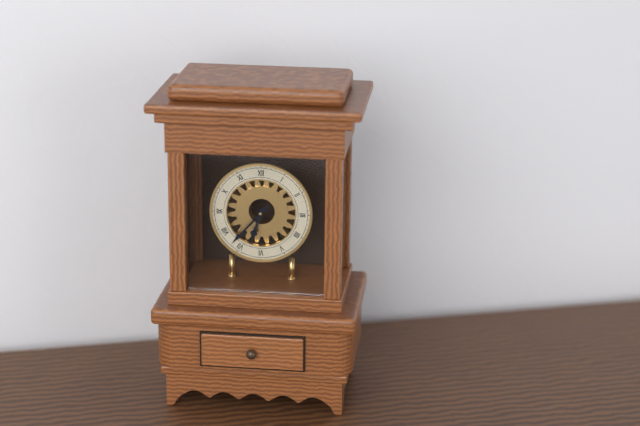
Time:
6:37
